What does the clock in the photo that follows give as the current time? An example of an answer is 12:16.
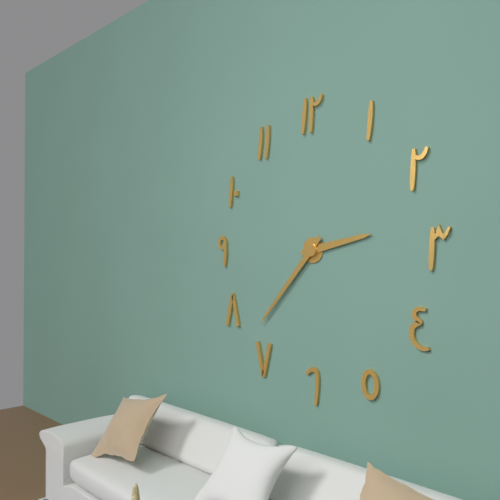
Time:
2:37
